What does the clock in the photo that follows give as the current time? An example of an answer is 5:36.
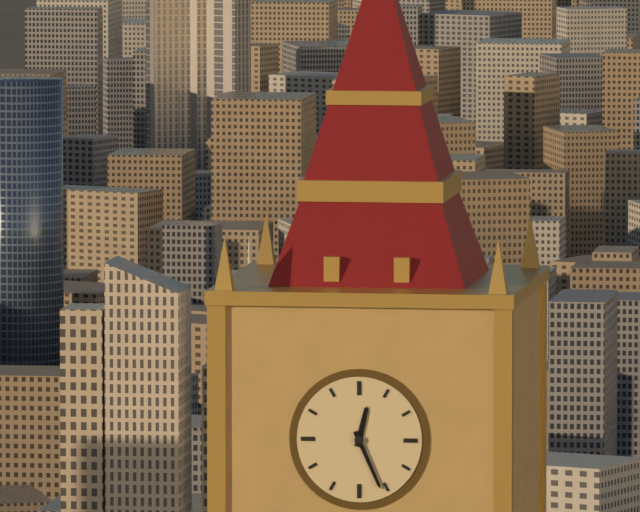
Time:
12:26
